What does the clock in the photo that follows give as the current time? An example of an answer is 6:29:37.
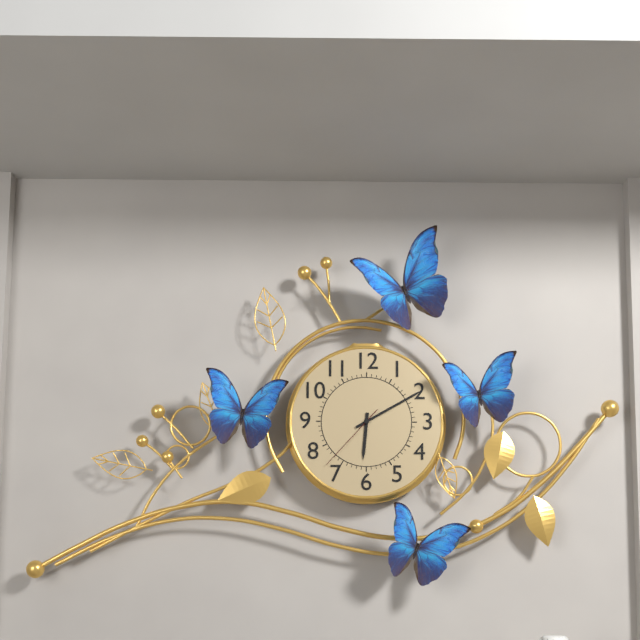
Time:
6:10:37
